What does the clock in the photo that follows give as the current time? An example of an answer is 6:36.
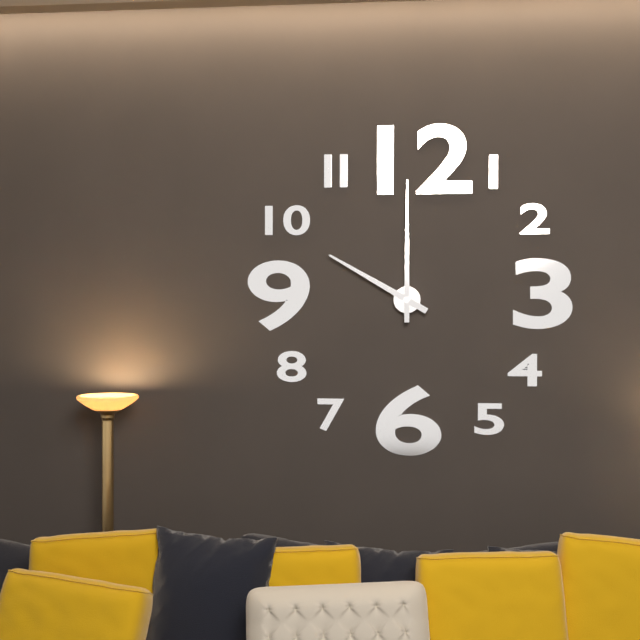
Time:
10:00
